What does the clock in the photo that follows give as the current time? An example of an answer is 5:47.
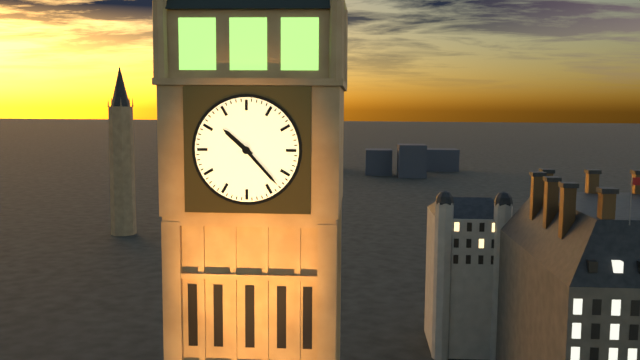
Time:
10:23
